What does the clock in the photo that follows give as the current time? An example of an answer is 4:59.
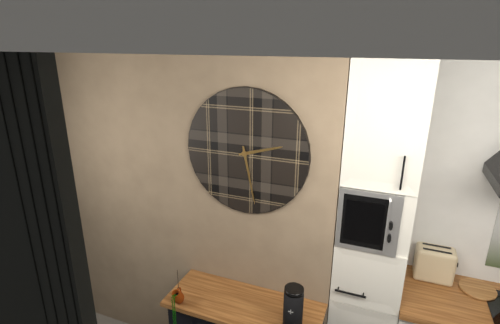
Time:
2:28
